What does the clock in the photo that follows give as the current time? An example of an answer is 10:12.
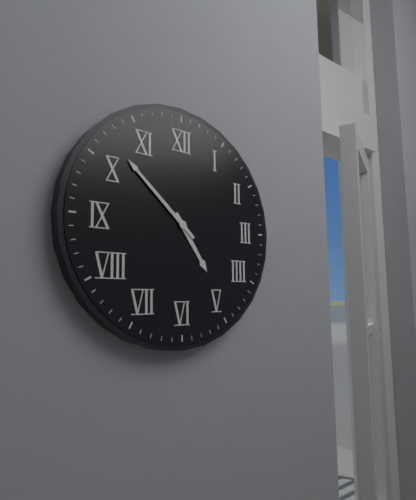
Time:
4:52
